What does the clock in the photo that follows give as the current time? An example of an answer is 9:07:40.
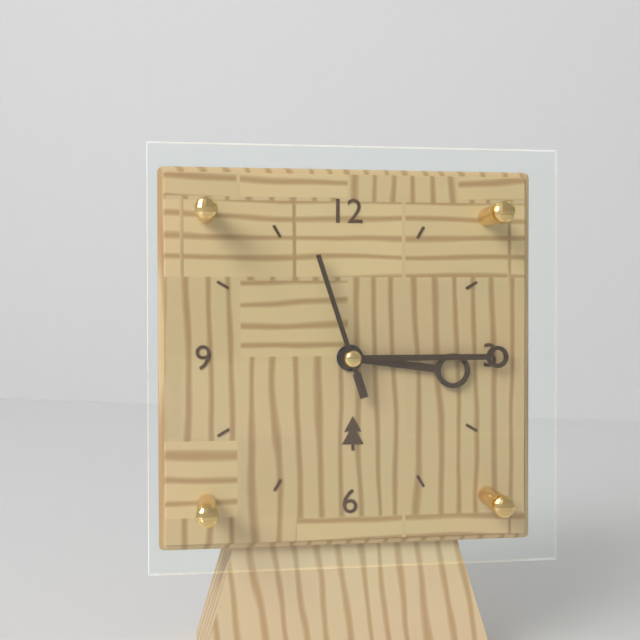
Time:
3:15:57
